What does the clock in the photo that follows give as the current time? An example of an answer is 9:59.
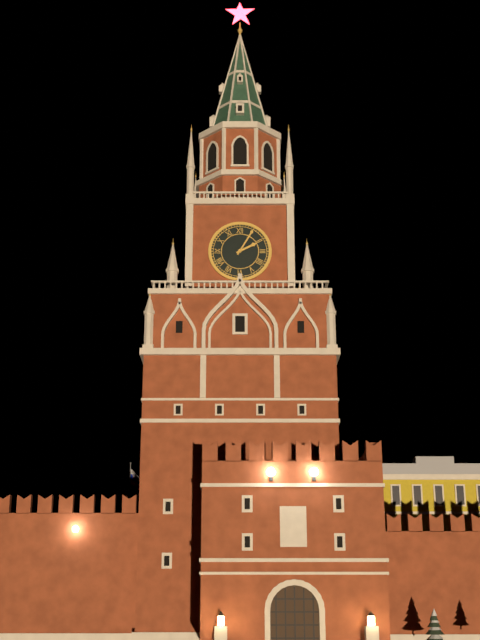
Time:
2:05
